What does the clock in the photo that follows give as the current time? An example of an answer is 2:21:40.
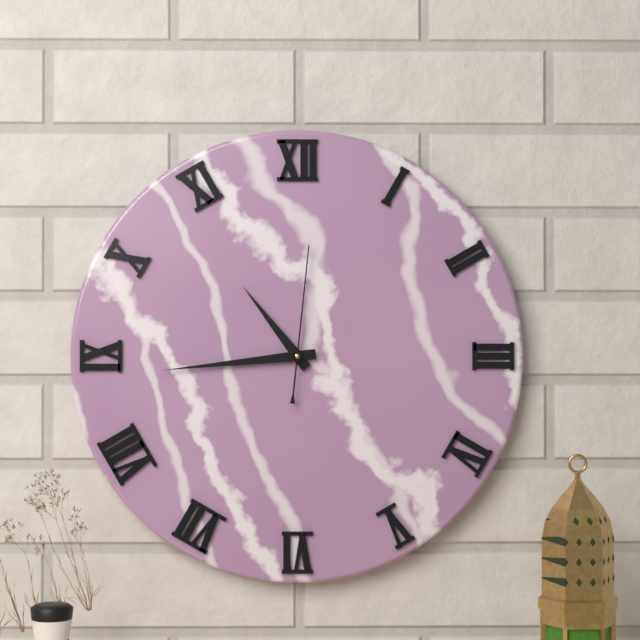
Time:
10:44:01
